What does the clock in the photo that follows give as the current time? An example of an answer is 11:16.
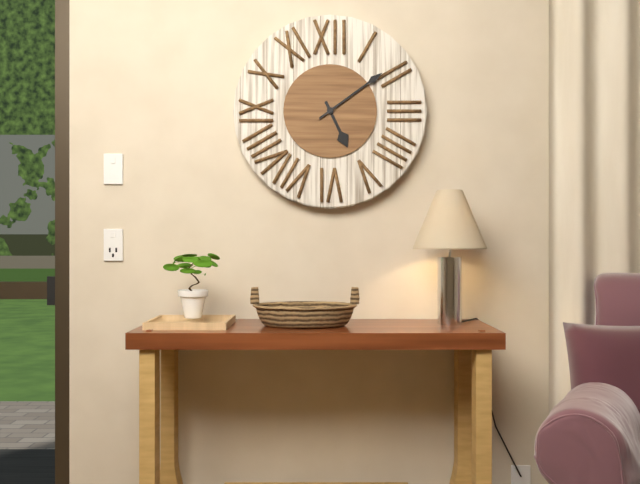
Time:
5:09
